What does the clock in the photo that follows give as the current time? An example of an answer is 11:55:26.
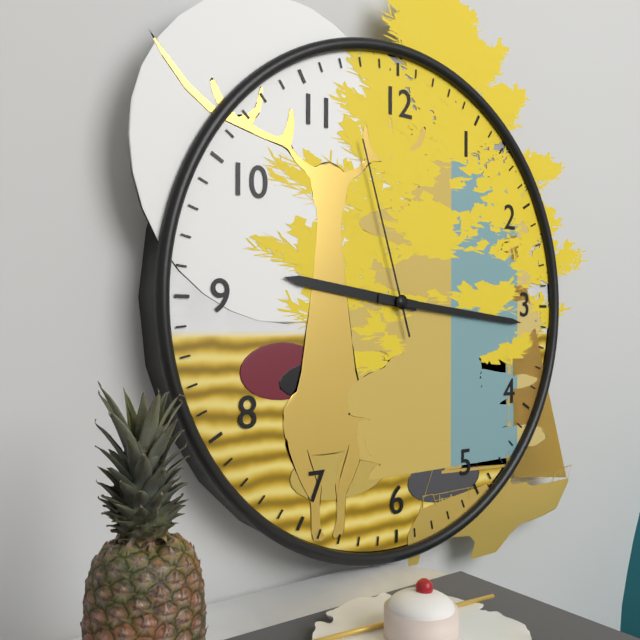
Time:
9:16:57
